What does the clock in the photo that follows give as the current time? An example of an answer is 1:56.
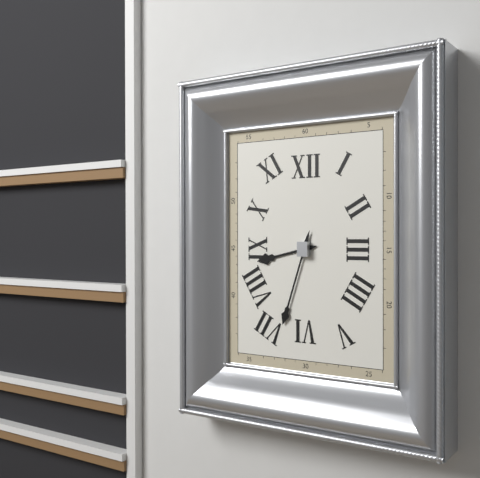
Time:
8:33
